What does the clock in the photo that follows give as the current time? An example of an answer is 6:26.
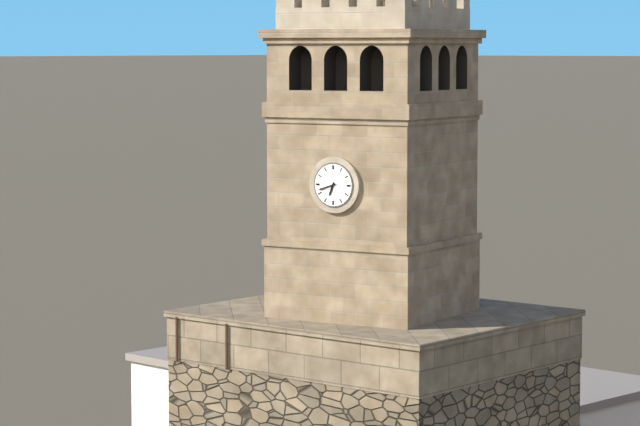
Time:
6:42
